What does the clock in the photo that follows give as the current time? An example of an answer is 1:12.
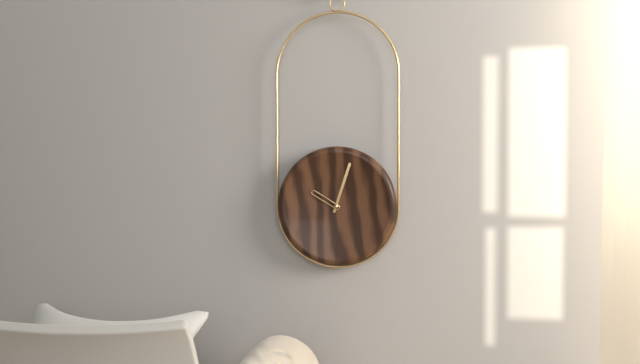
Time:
10:03
